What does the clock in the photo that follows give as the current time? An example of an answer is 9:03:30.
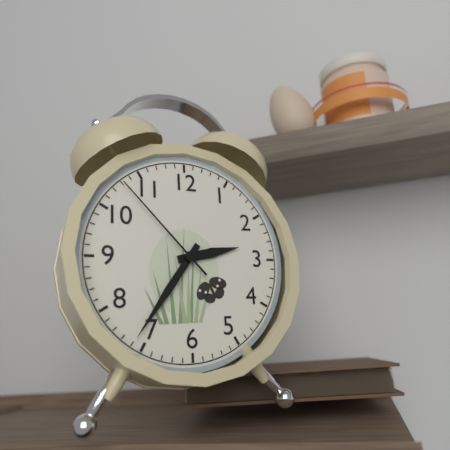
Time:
2:36:53
